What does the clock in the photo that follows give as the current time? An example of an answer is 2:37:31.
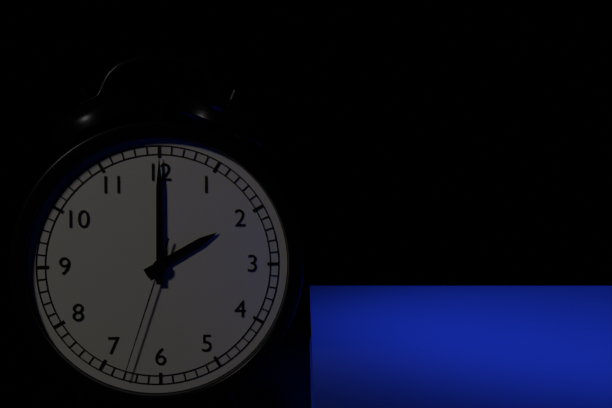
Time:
2:00:33
